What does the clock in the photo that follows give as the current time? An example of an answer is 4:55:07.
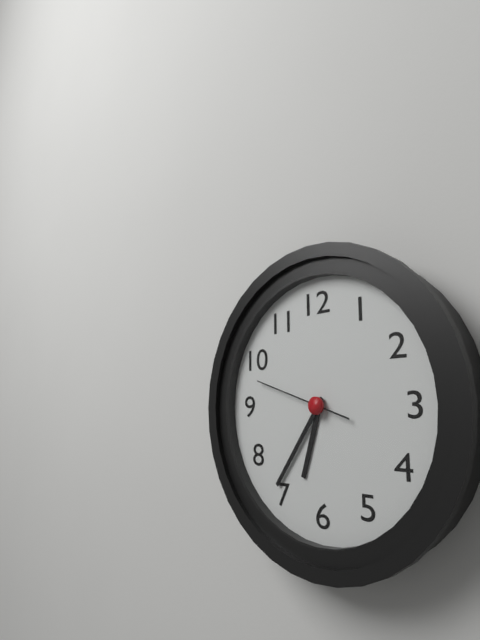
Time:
6:36:48
